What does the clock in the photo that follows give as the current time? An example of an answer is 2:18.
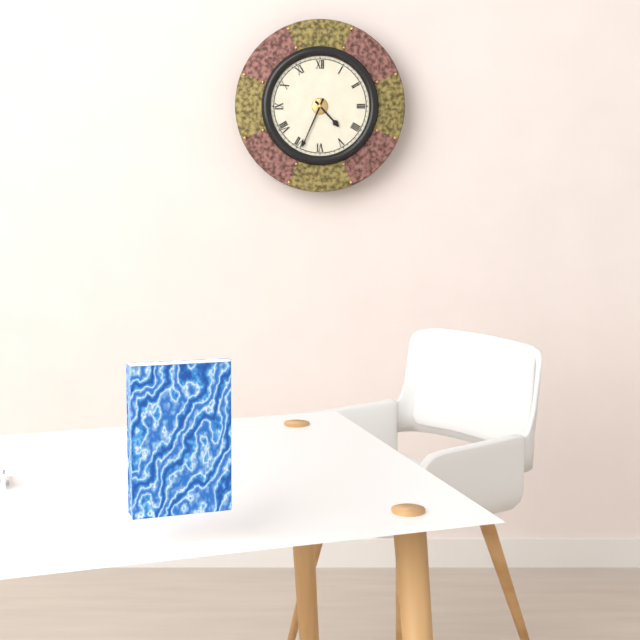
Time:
4:34
